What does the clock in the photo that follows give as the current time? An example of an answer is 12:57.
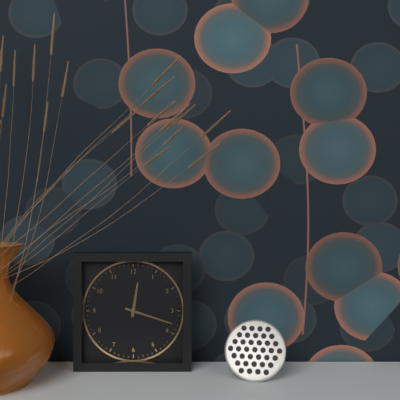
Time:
12:18
